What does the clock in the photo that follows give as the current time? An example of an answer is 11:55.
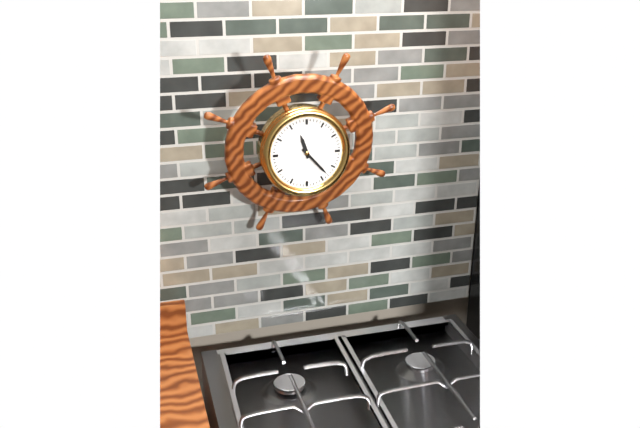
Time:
11:23
